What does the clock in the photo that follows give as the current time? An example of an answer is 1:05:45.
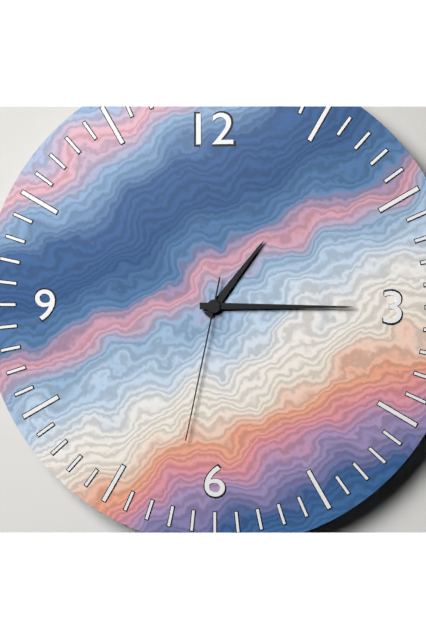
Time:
1:15:32
